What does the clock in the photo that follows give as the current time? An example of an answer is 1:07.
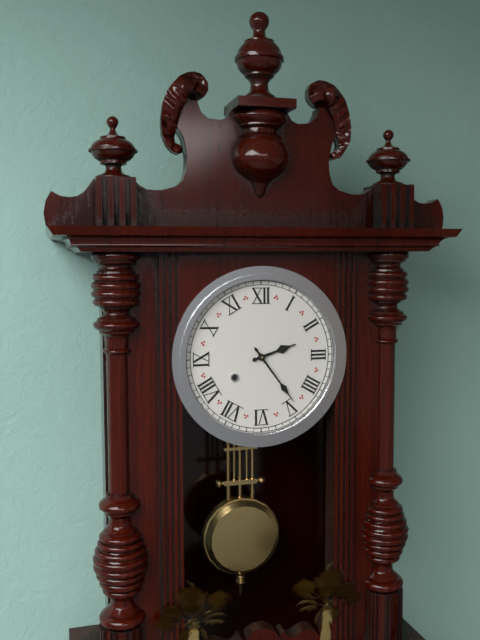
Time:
2:24
